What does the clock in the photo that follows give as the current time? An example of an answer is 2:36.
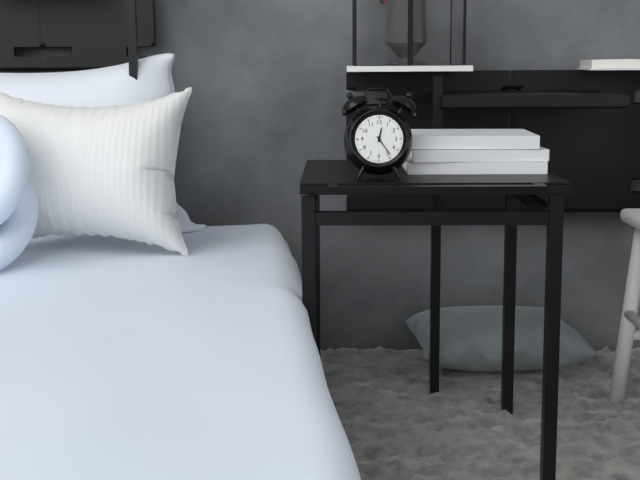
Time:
12:24
